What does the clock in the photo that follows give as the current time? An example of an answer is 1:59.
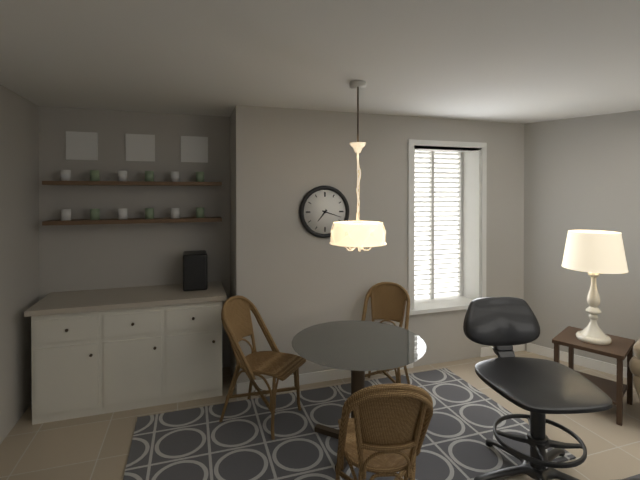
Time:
7:18
